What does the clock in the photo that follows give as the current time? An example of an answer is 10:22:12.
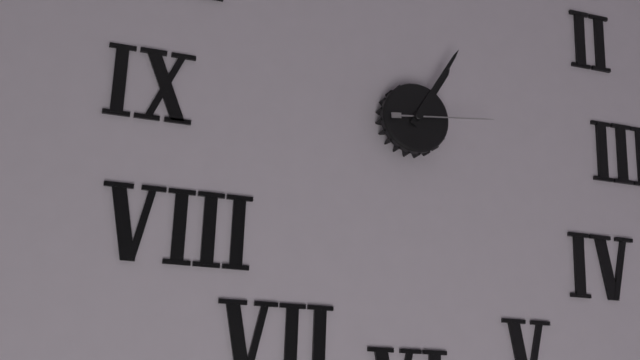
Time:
1:05:14
